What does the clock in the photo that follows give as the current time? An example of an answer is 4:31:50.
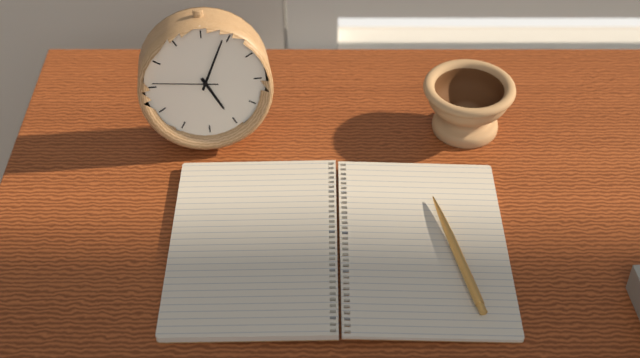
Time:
5:04:46
